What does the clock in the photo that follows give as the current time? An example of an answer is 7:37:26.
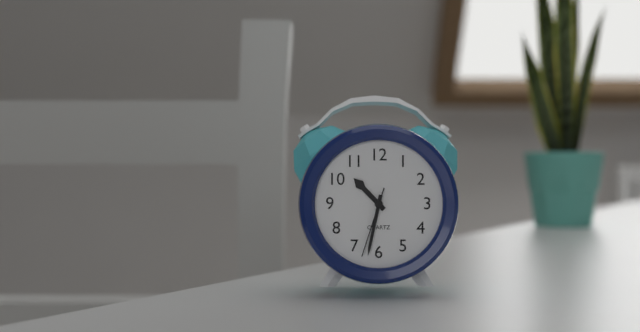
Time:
10:32:33
